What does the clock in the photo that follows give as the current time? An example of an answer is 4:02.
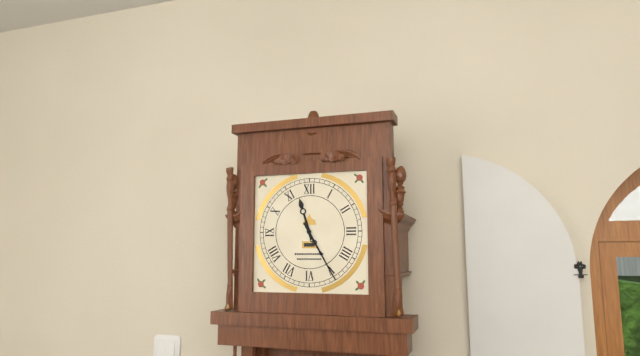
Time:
11:25
